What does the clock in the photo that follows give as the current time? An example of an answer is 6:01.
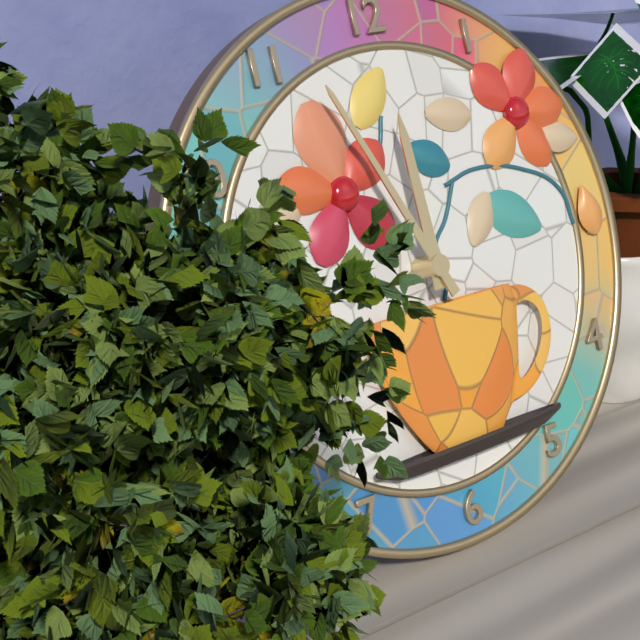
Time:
11:56
